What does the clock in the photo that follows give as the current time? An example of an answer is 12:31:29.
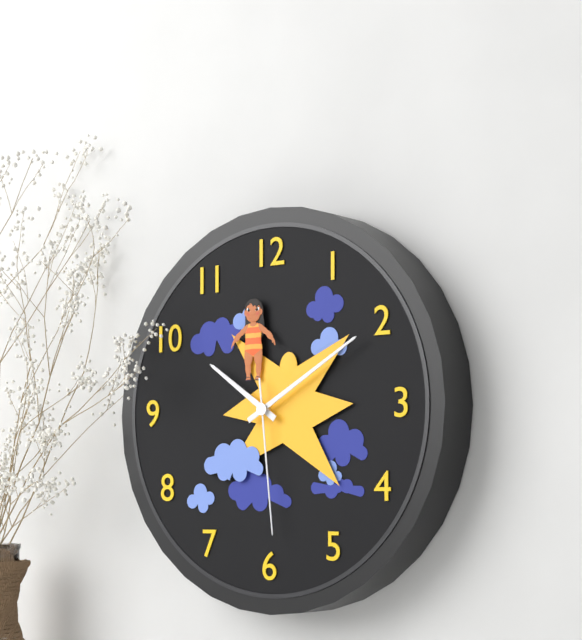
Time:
10:10:29
